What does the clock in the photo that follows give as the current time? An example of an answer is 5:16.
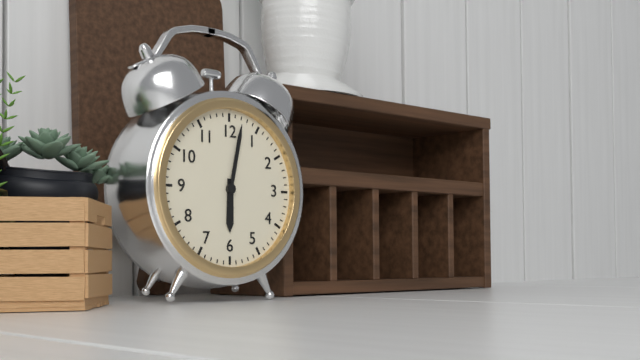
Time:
6:02
